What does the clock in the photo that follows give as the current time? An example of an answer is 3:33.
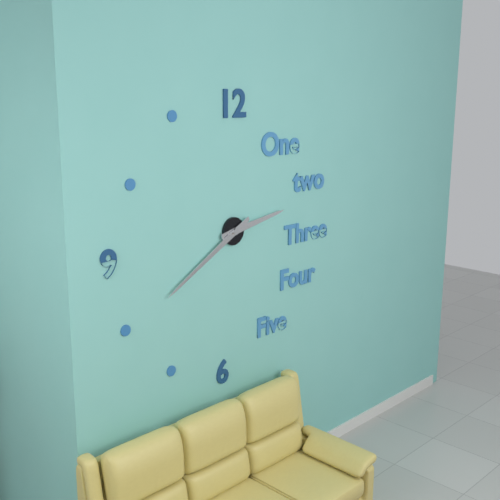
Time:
2:40
